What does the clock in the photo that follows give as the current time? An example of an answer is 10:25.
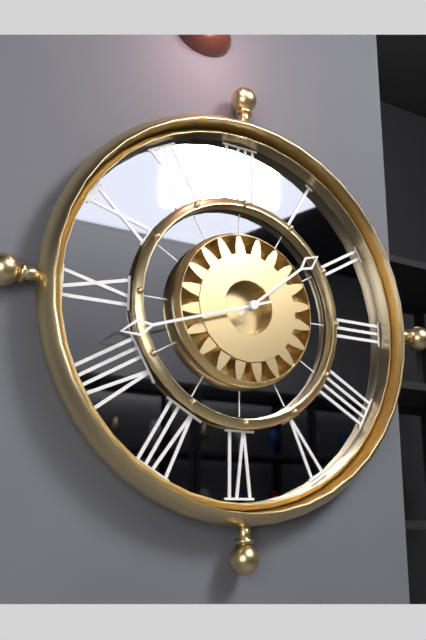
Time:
1:42
